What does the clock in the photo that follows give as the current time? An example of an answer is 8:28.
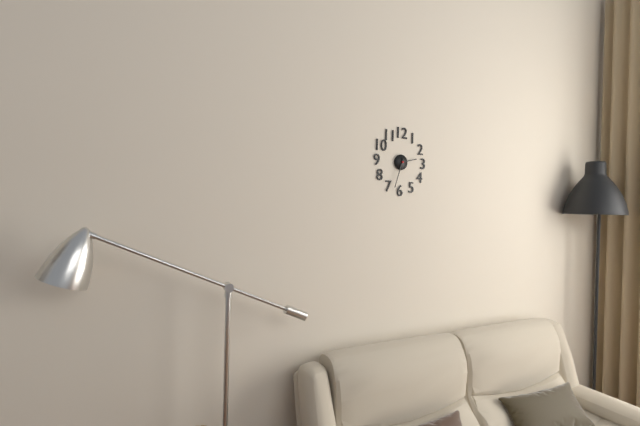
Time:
2:33
